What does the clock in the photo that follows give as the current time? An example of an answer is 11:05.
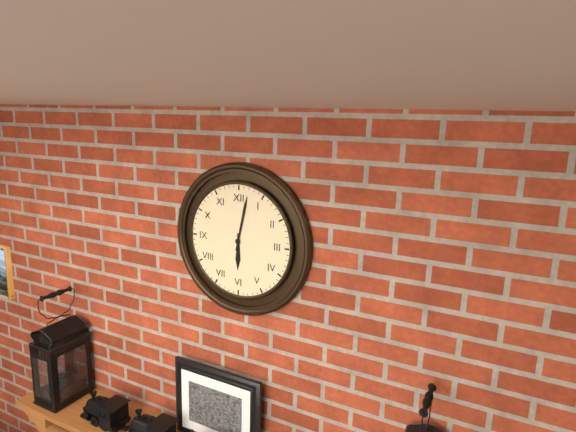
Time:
6:02
